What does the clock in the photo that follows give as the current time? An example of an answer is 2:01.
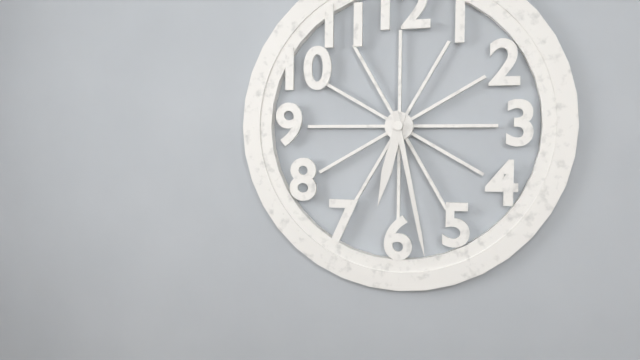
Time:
6:28
